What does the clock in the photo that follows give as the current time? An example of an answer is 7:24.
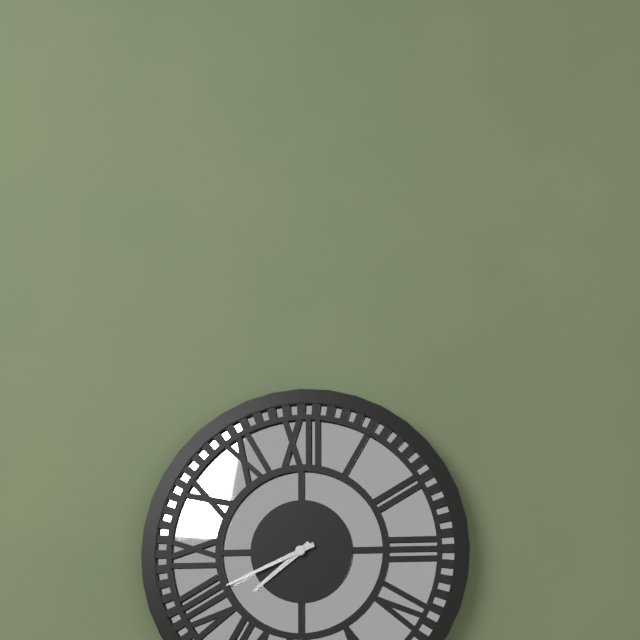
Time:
7:41
